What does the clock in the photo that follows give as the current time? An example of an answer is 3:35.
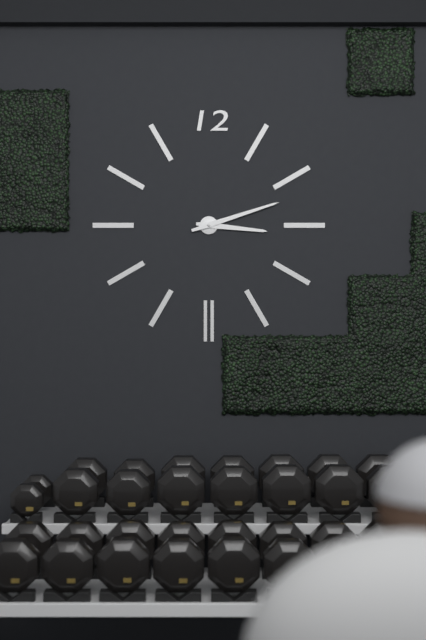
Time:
3:12
